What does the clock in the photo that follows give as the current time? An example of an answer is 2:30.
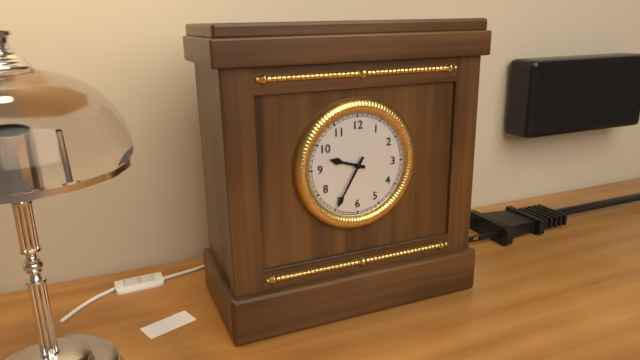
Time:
9:35
